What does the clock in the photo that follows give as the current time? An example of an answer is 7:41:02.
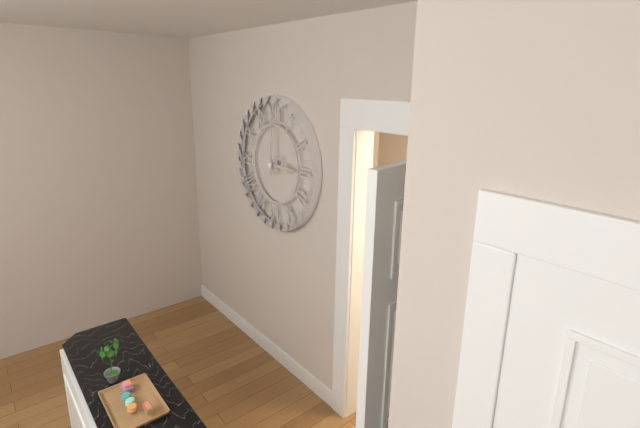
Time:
3:00:38
